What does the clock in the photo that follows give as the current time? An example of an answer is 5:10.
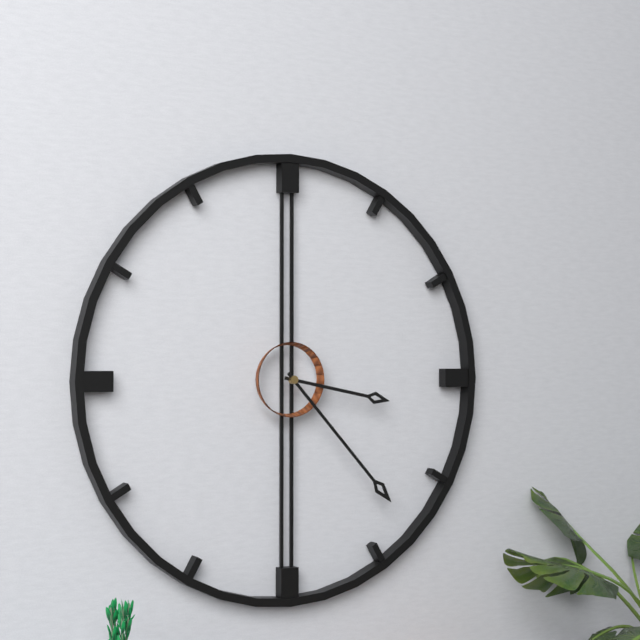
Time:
3:23
